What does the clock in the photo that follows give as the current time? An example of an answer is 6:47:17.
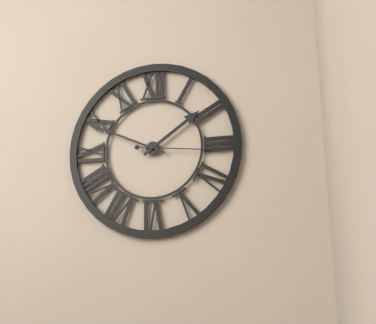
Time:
1:49:16
